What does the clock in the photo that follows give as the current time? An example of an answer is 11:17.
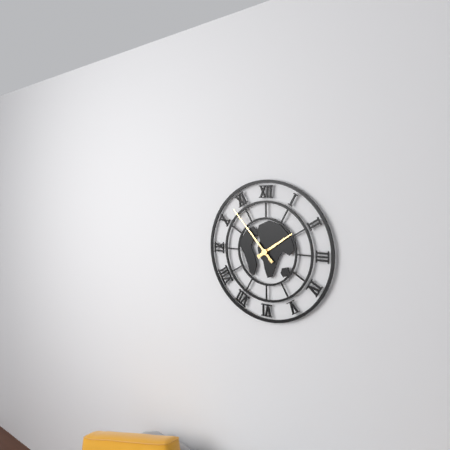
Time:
1:53
